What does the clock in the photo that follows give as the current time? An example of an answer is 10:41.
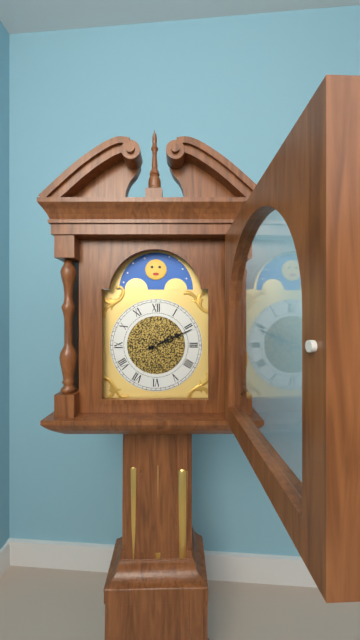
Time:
2:11
